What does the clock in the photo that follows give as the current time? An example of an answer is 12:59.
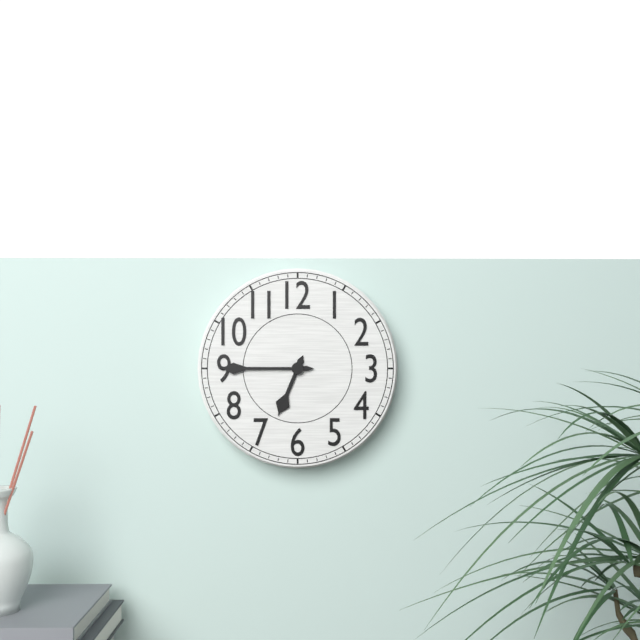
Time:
6:45
